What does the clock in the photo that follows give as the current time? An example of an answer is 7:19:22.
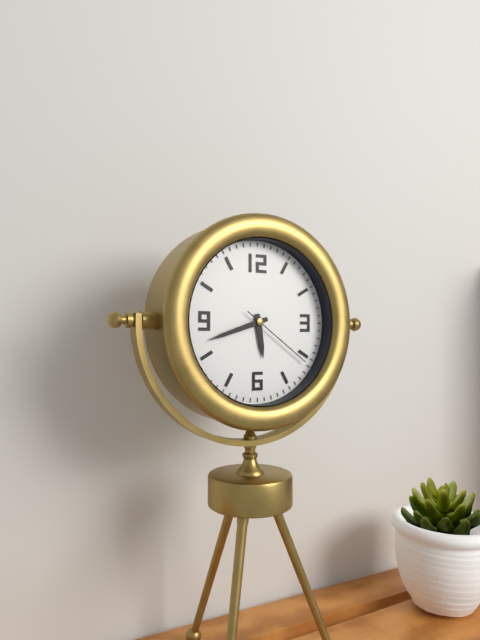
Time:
5:42:21
